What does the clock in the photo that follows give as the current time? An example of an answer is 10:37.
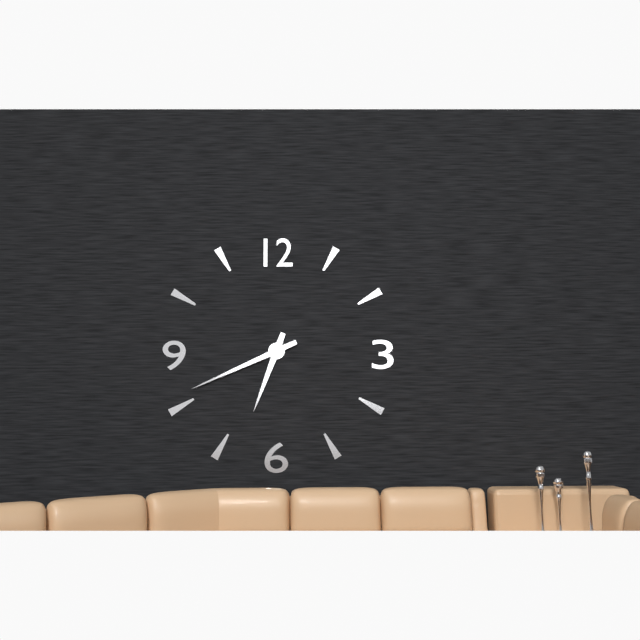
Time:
6:41
